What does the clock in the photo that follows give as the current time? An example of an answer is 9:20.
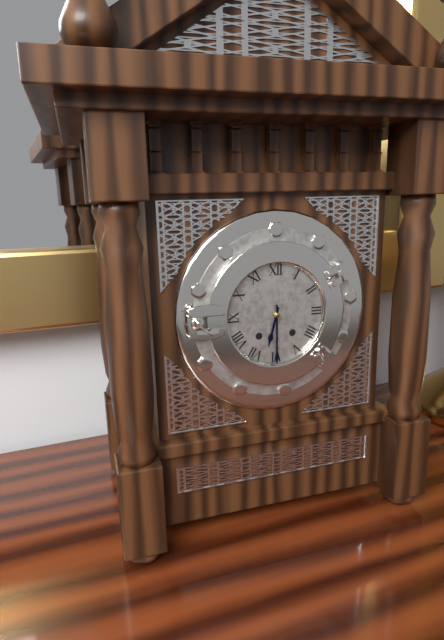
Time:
6:30
